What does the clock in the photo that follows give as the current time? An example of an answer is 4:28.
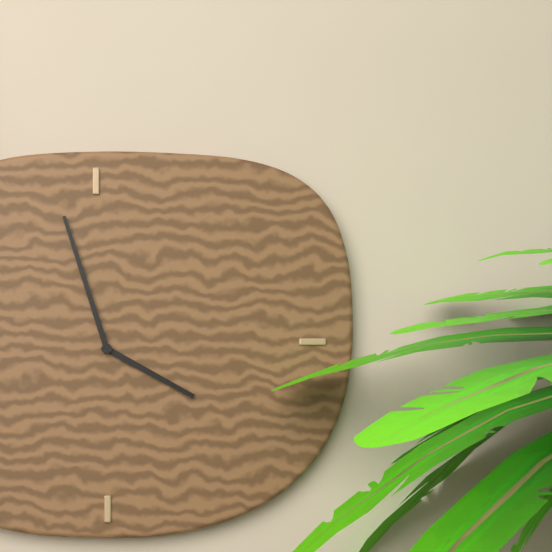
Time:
3:57
